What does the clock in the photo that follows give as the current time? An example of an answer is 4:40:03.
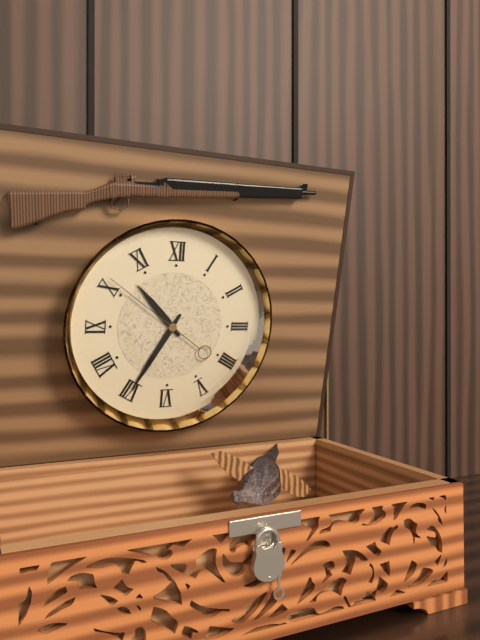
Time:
10:35:51
